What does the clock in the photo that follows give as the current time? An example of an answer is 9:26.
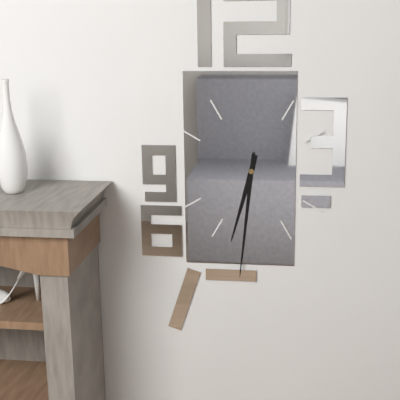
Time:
6:31
